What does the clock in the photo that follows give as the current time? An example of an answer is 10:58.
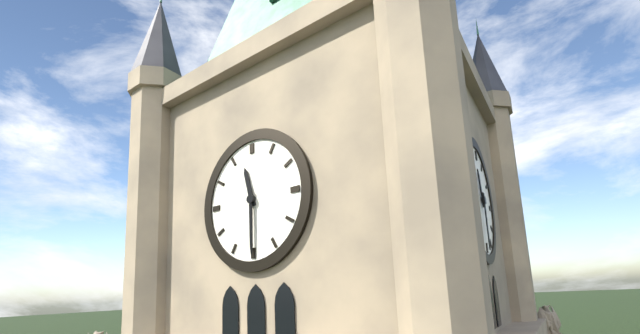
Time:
11:30
